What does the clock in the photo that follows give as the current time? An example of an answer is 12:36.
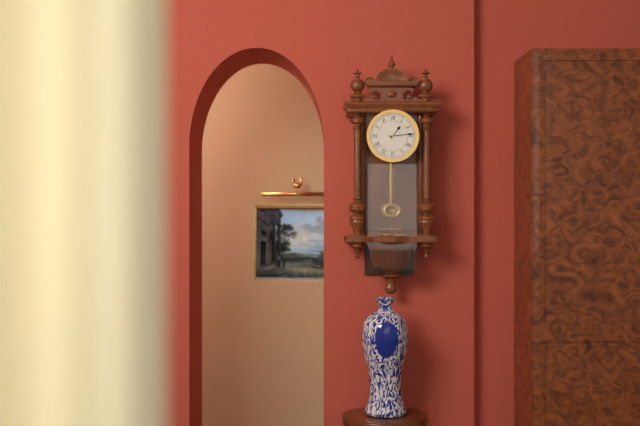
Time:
1:14
